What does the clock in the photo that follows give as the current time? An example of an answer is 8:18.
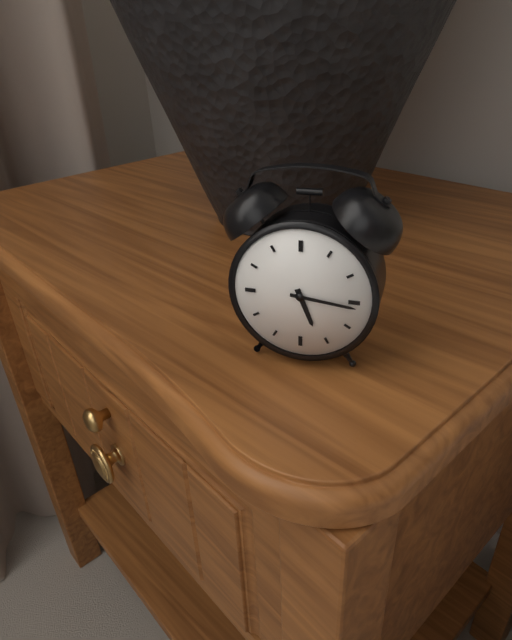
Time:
5:16
